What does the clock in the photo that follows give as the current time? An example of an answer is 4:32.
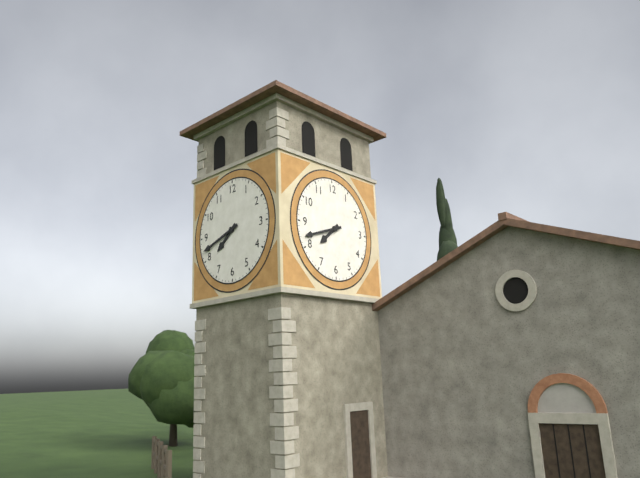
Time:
7:42
